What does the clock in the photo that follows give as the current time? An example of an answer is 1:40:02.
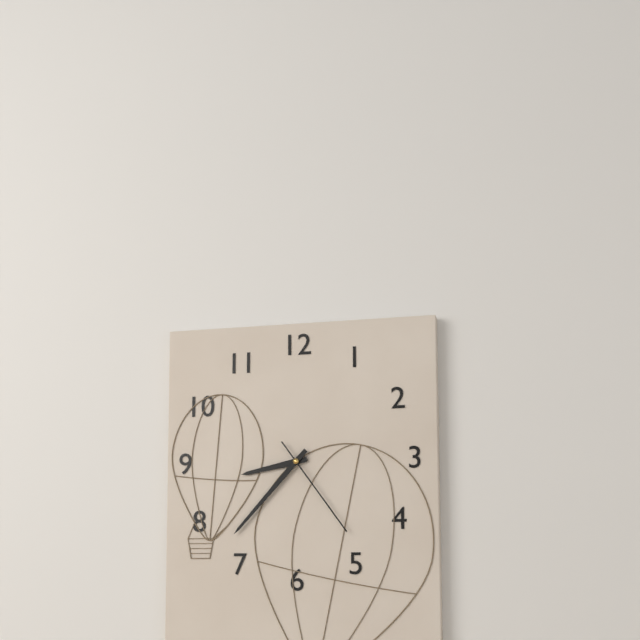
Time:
8:37:24
